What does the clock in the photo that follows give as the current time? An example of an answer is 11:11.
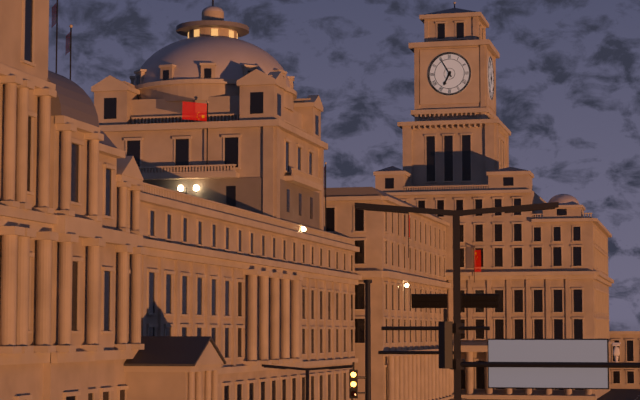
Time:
6:55
